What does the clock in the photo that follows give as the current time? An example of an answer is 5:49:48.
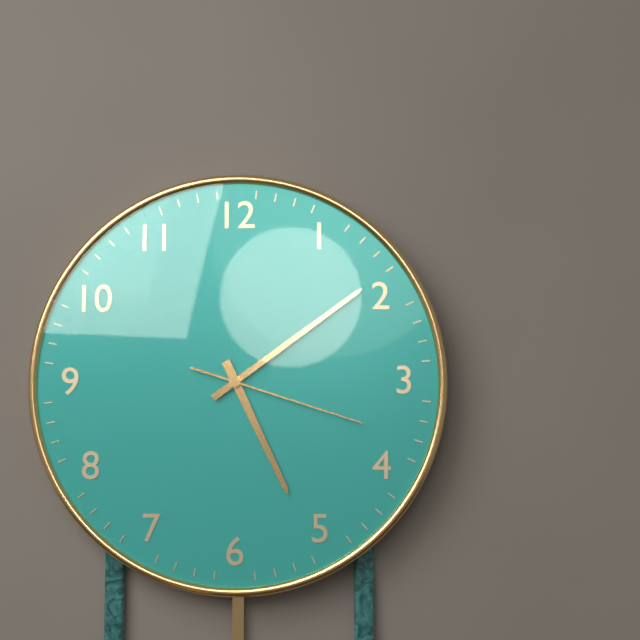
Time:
5:09:18
